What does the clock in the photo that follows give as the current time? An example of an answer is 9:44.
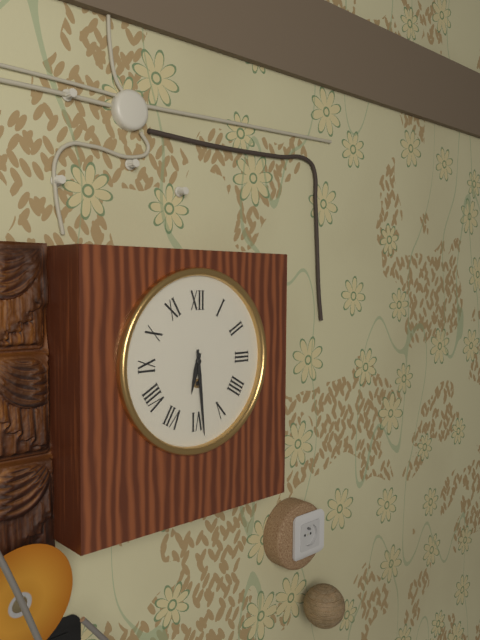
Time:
6:29
